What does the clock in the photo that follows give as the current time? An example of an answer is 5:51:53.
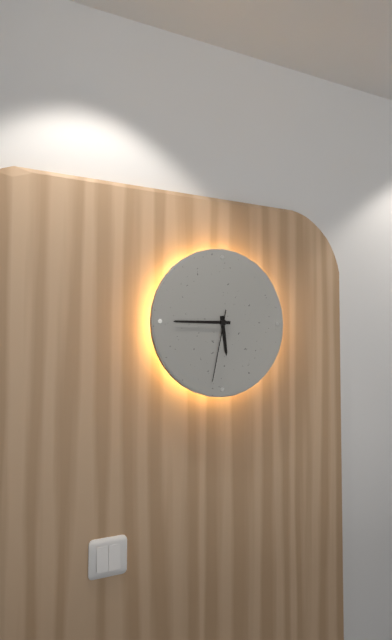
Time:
5:45:32
